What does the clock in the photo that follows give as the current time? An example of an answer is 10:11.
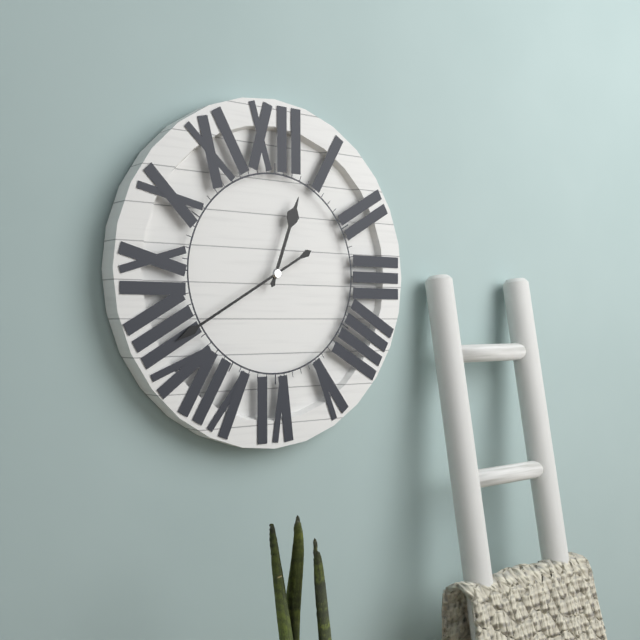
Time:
12:40
